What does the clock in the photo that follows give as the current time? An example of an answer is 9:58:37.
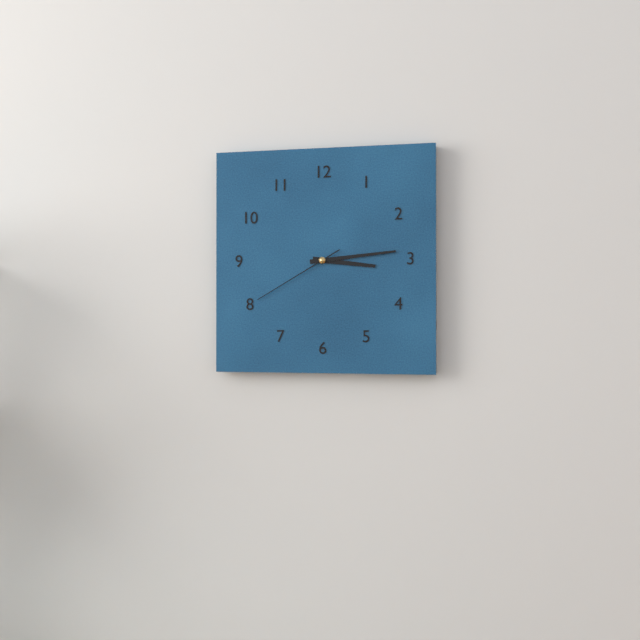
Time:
3:14:40
